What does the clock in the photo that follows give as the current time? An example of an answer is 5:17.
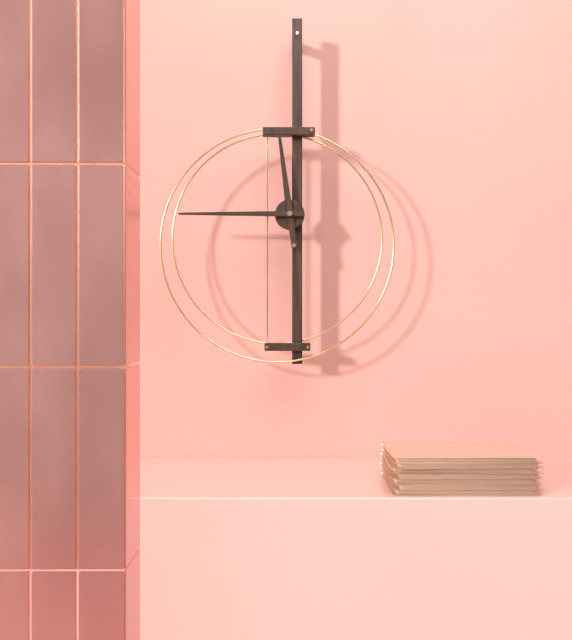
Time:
11:45
